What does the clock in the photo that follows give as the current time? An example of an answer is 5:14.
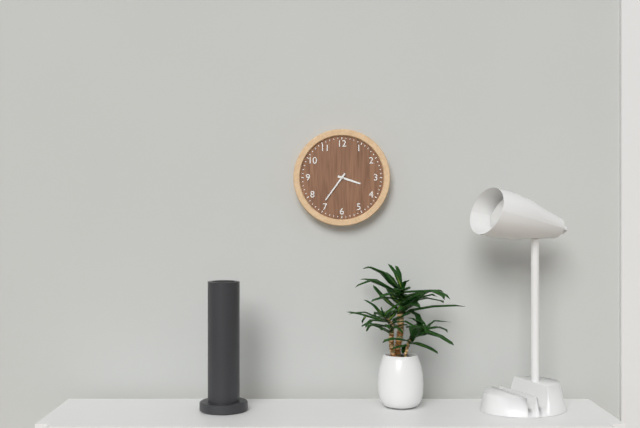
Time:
3:36
